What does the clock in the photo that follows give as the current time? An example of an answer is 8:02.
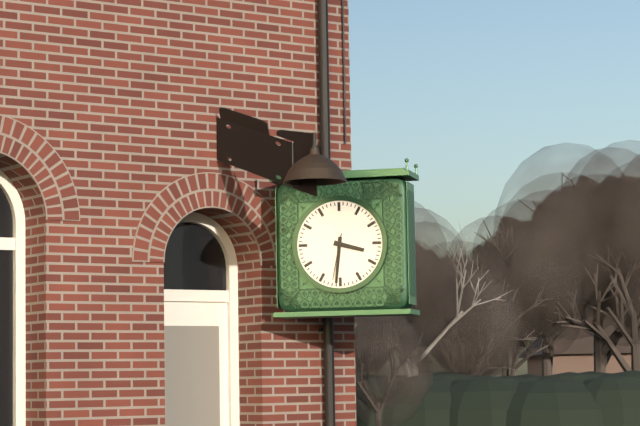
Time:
3:31
